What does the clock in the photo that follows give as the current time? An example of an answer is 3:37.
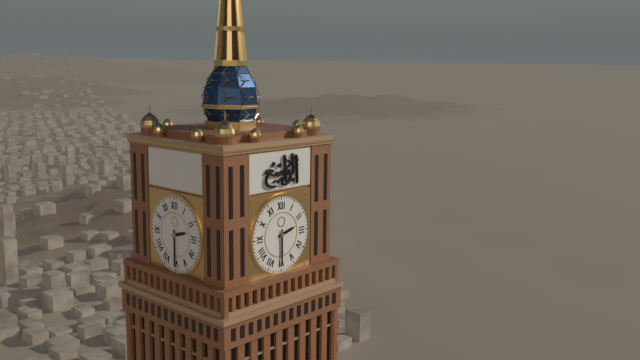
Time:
2:30
